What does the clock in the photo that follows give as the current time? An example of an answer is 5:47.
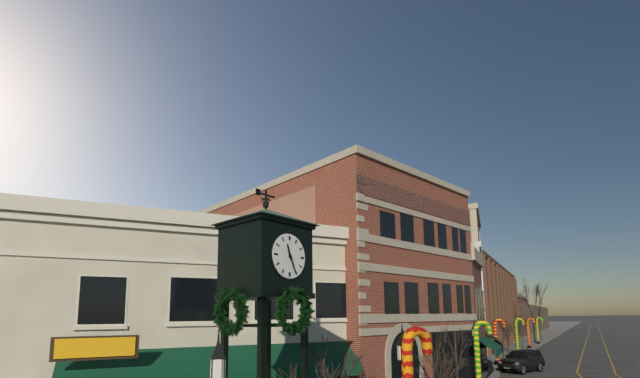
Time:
11:26
